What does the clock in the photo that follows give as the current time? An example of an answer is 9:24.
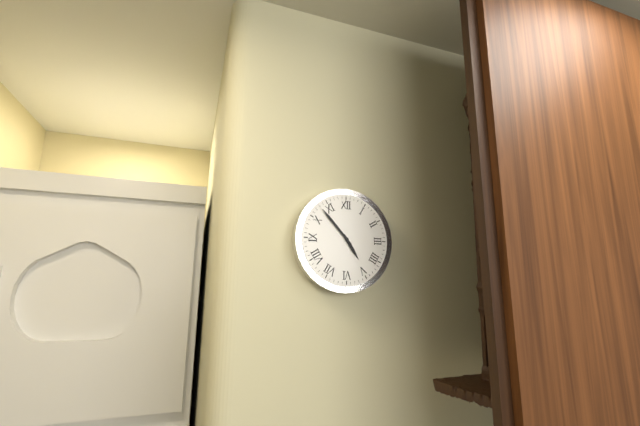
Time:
4:53
